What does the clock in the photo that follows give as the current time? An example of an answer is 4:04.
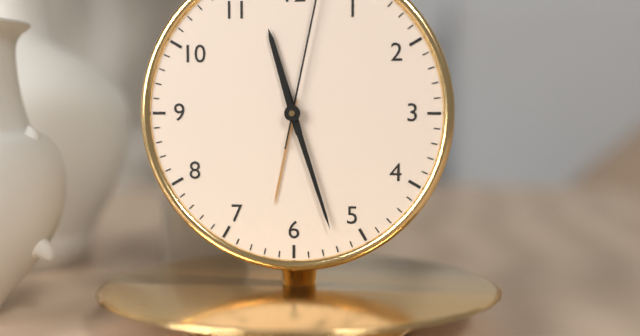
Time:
11:27
